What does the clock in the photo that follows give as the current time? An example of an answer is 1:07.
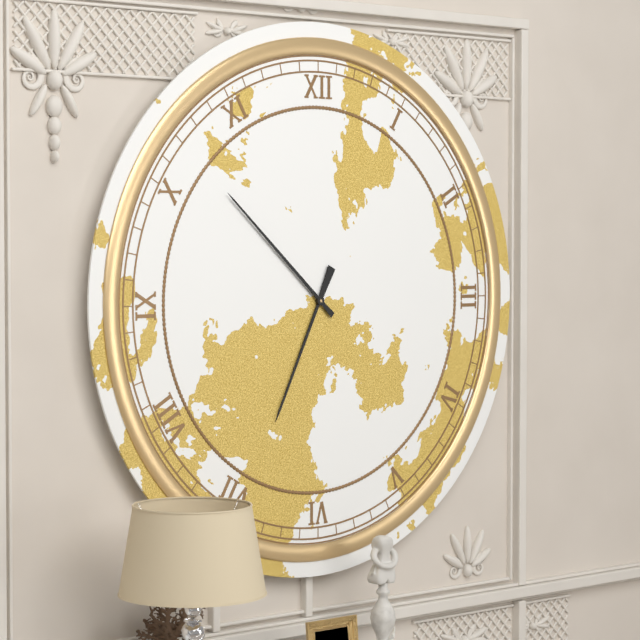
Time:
6:52
